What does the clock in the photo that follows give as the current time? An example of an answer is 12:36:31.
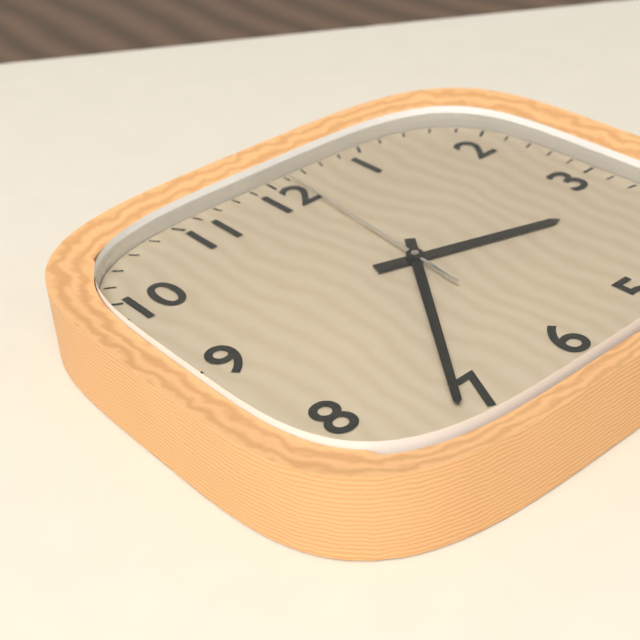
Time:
3:36:01
